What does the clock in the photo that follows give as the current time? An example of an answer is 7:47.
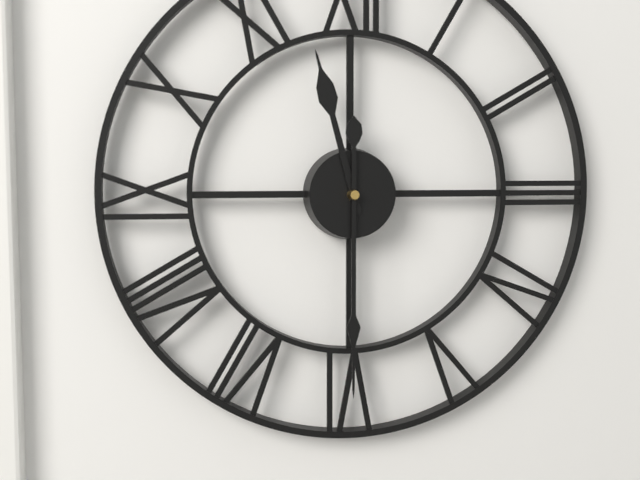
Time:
11:30
